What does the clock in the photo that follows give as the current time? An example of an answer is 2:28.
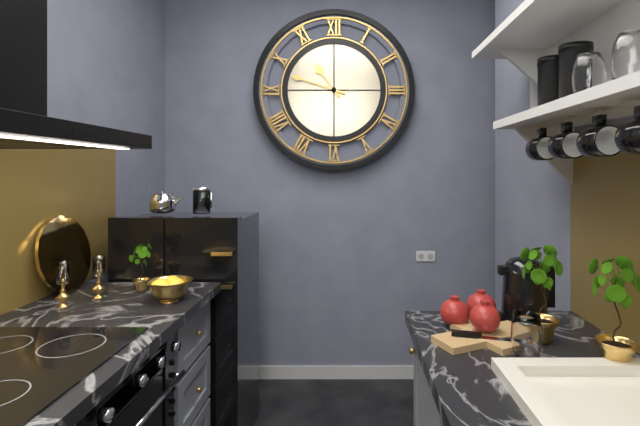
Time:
10:48
